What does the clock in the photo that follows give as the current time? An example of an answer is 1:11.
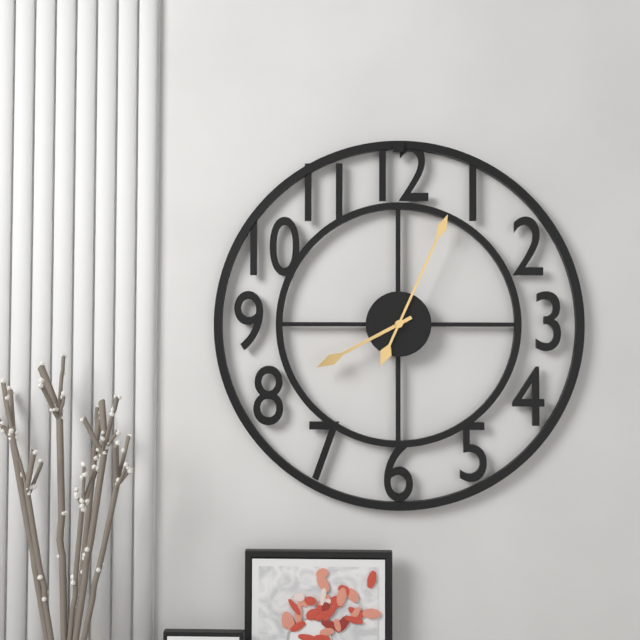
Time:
8:04
